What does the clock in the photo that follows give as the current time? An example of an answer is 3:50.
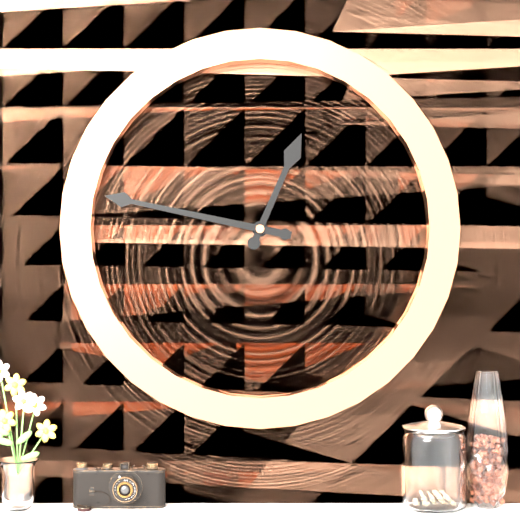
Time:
12:47
